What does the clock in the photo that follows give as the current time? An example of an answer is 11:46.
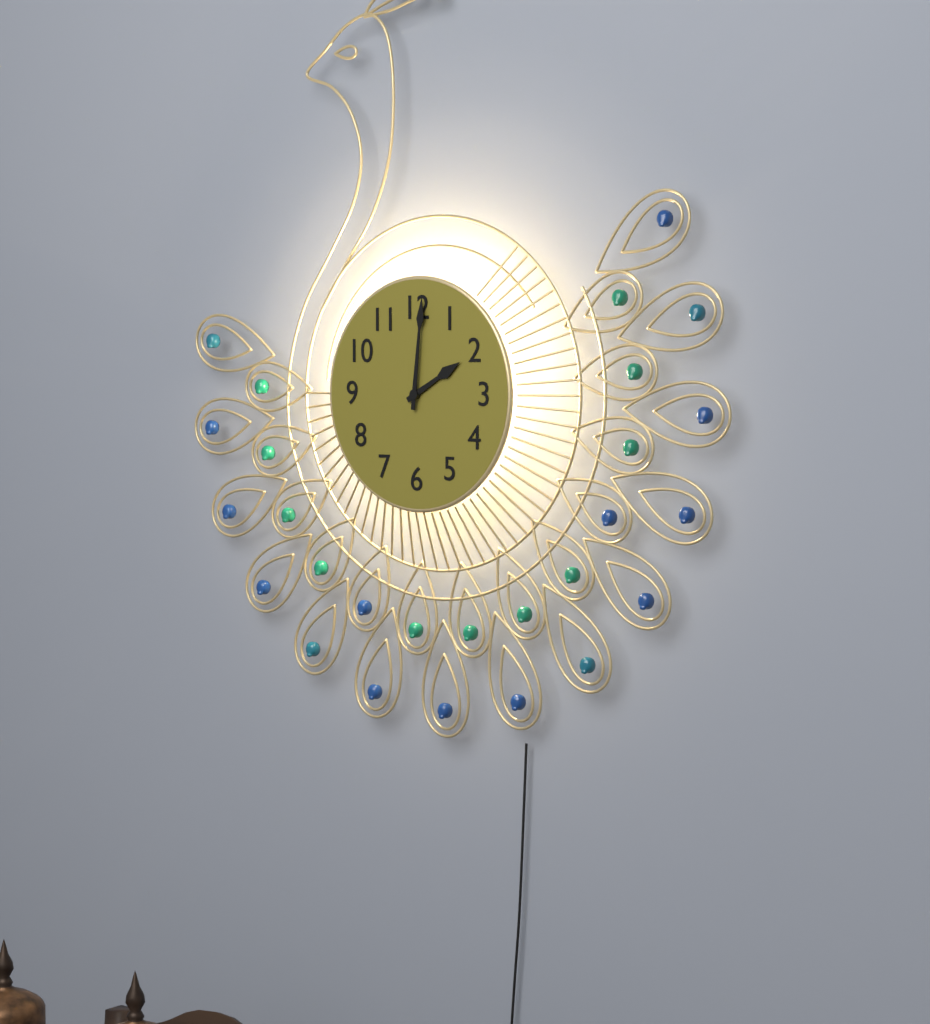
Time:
2:01
